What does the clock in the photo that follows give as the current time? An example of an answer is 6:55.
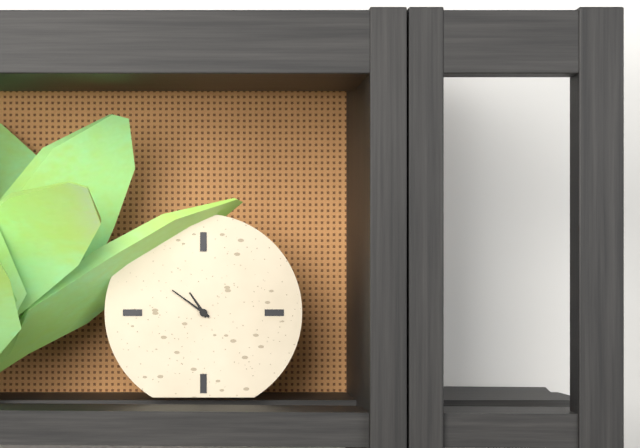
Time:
10:51
